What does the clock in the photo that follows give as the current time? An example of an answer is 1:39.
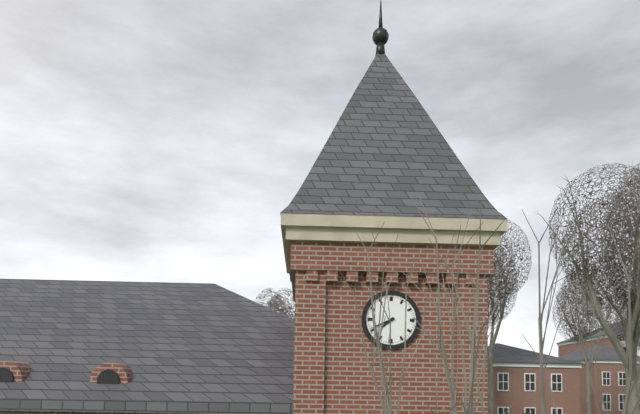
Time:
7:41
